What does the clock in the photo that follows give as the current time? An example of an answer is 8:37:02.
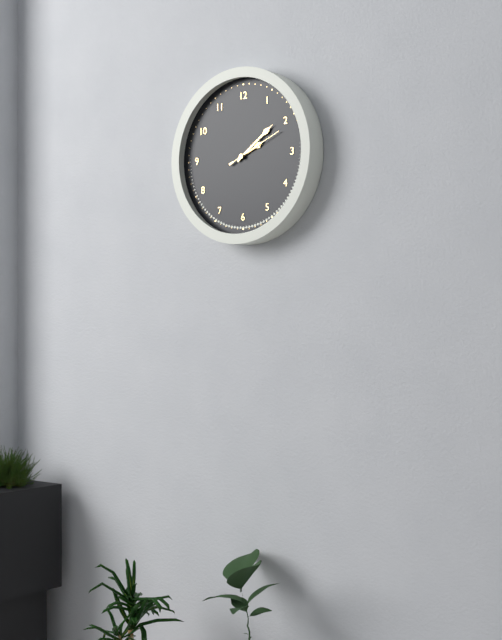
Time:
2:09:11
